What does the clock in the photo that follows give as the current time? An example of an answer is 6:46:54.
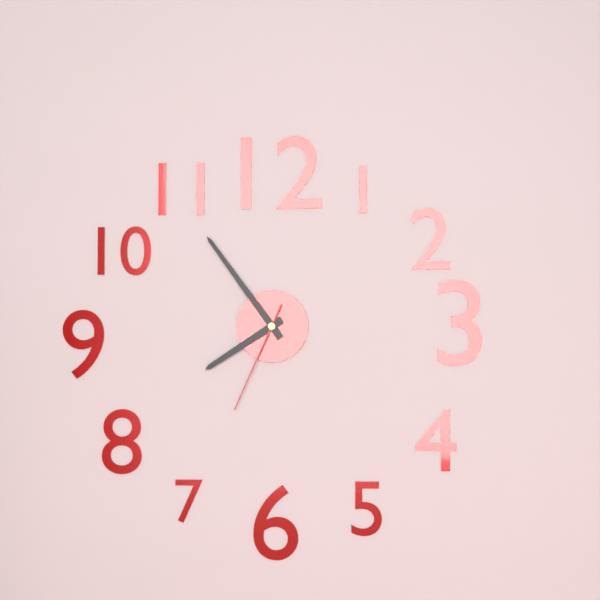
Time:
7:54:34
